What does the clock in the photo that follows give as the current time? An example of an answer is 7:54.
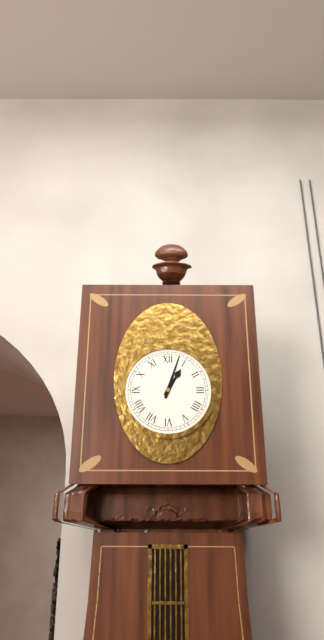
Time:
1:03
